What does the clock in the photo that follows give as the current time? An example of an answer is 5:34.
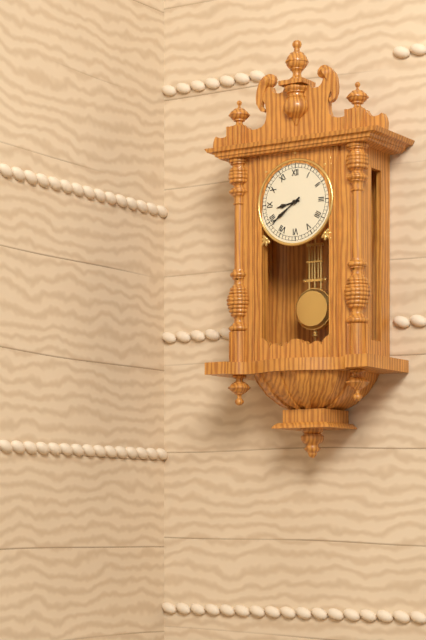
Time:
8:39
